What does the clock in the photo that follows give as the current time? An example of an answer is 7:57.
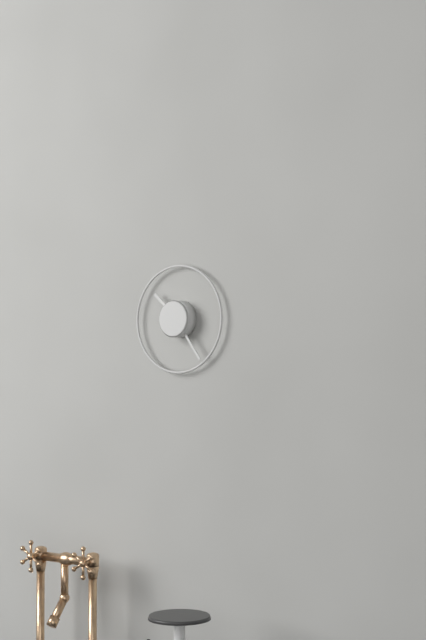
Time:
10:24
